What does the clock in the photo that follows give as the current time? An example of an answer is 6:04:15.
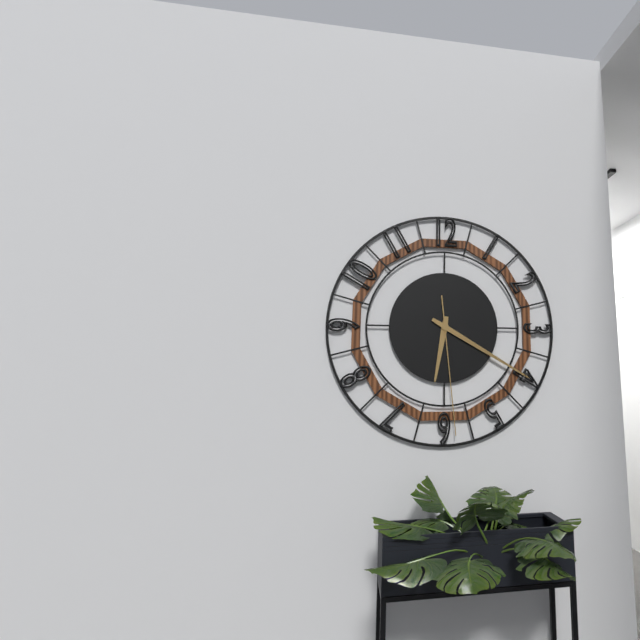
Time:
6:20:29
